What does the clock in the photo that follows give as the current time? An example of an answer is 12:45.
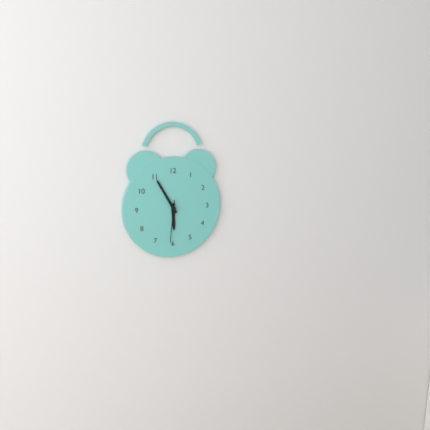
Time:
5:55
